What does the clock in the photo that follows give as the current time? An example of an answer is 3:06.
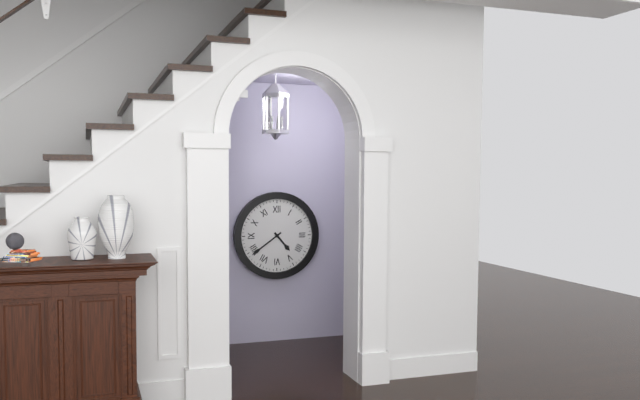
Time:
4:39
